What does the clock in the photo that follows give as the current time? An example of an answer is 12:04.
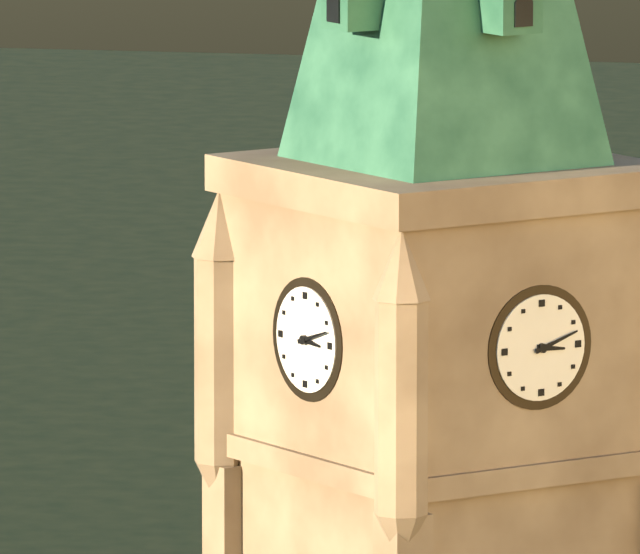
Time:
3:12
